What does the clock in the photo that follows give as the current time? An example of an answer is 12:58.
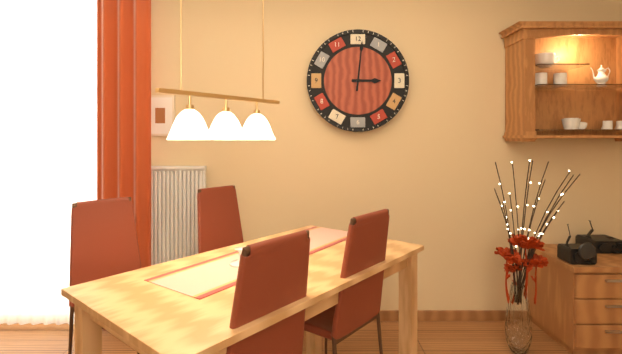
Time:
3:01
